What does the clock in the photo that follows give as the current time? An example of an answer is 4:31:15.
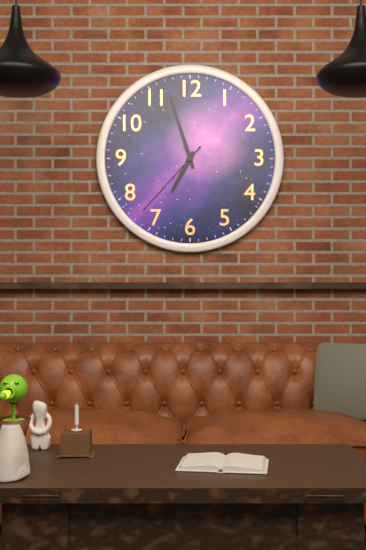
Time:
6:57:37
